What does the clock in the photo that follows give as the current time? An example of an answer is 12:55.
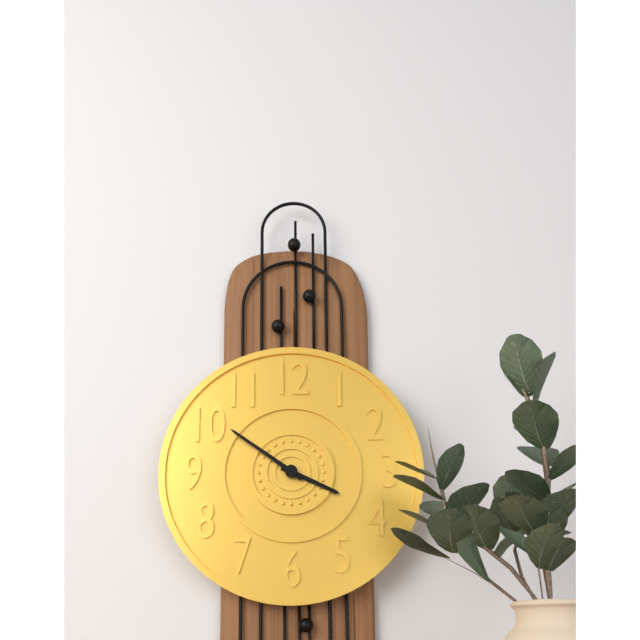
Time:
3:51
